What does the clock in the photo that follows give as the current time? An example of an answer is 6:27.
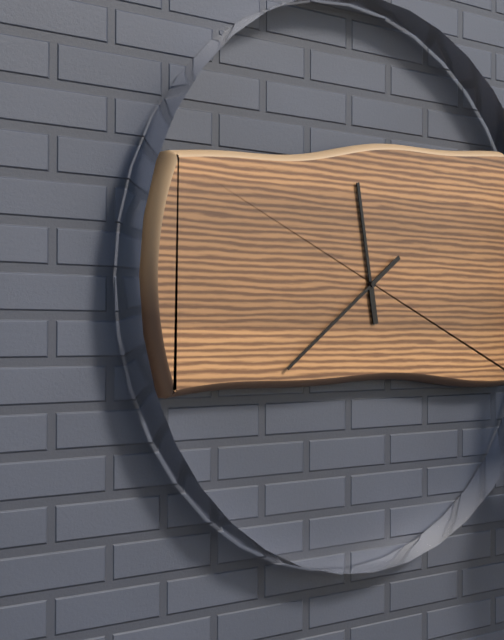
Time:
11:39
